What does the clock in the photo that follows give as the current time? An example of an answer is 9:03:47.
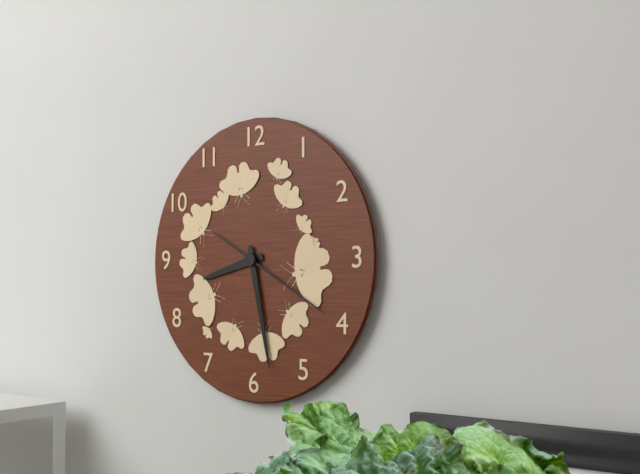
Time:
8:28:20
